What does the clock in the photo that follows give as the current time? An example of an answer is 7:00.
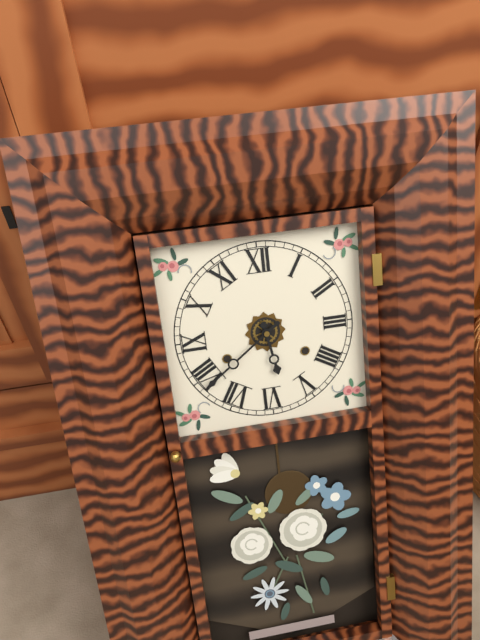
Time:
5:39
